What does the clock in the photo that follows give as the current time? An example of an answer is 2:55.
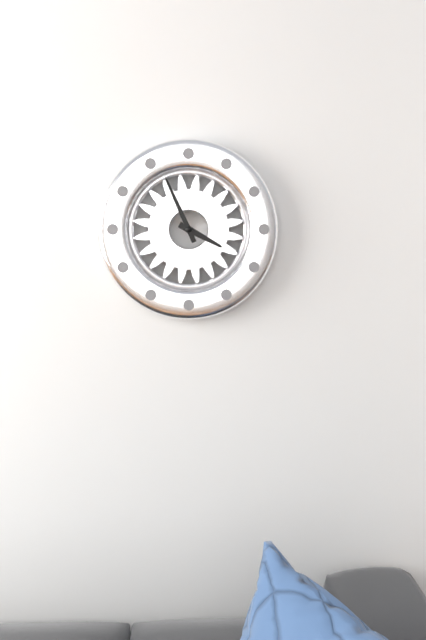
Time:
3:56
